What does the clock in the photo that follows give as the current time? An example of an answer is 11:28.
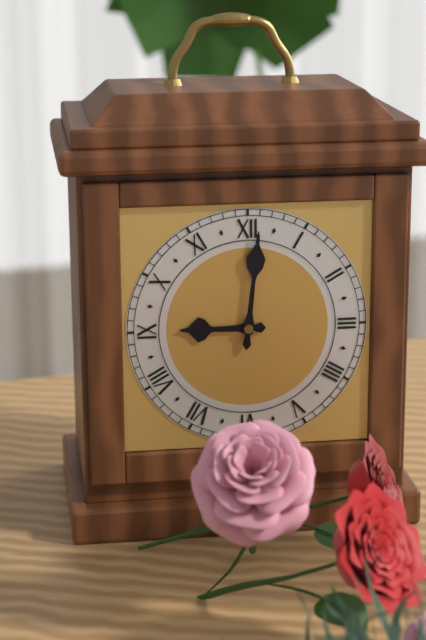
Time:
9:01
